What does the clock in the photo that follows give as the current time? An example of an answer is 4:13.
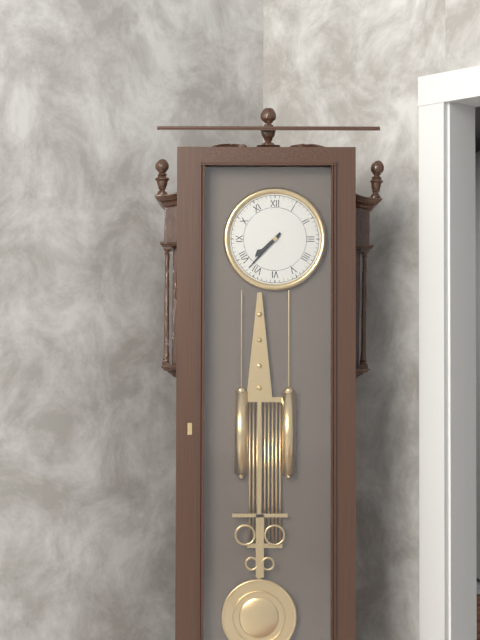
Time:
7:37
